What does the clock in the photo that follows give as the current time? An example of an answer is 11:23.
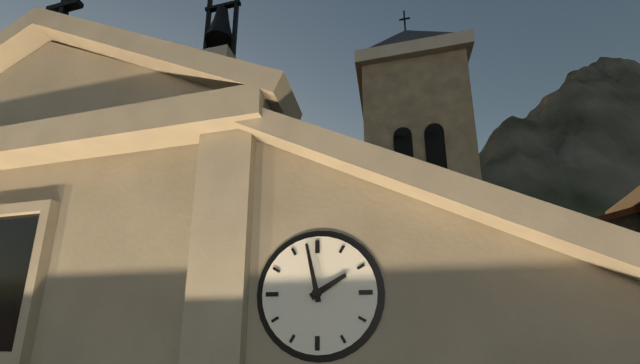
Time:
1:58
